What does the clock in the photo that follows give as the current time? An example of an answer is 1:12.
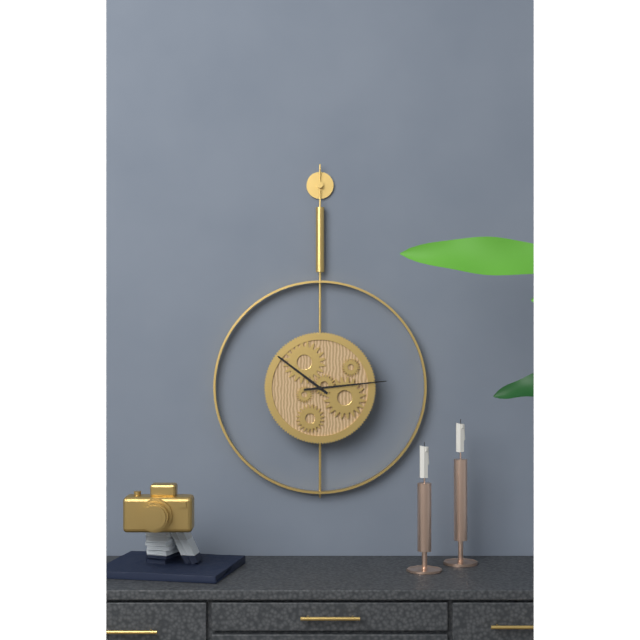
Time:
10:14
